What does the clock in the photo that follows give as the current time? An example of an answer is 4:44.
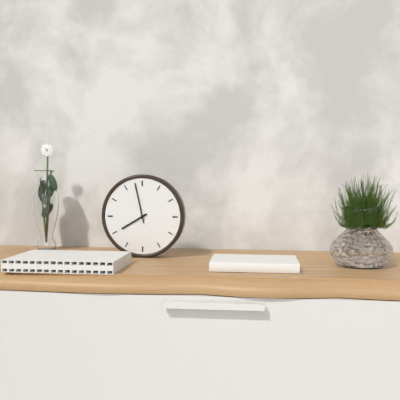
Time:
7:58
